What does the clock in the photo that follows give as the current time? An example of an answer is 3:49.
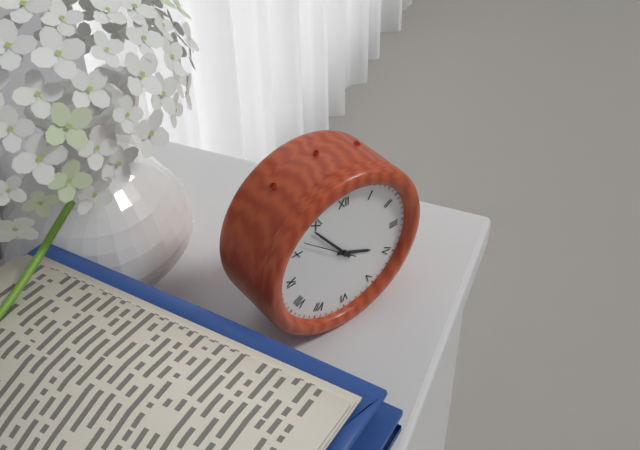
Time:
3:54
